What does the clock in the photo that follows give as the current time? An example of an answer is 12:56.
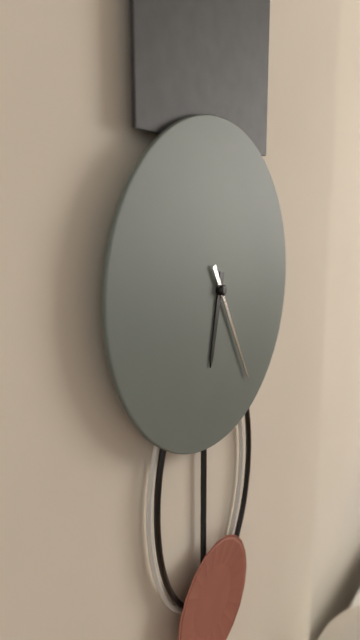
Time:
6:25
